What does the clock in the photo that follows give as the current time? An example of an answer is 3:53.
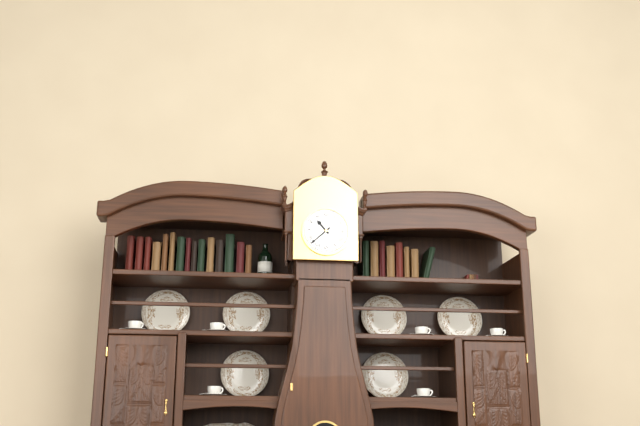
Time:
10:38
